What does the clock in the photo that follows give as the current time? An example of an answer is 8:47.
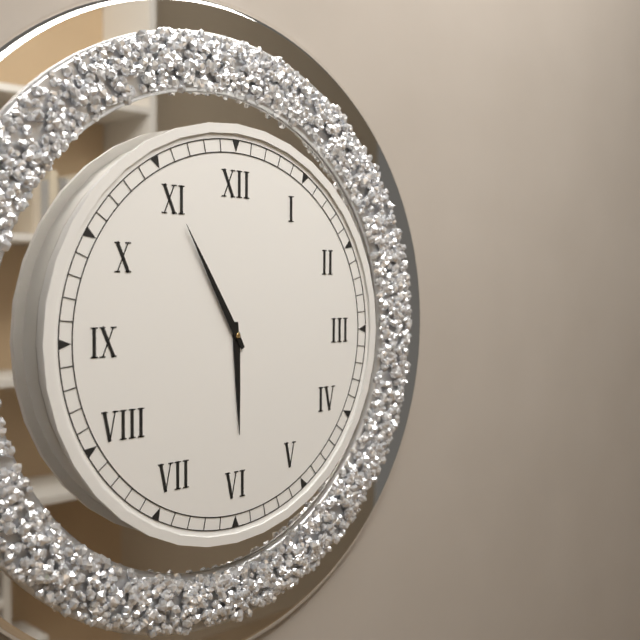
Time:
5:55
